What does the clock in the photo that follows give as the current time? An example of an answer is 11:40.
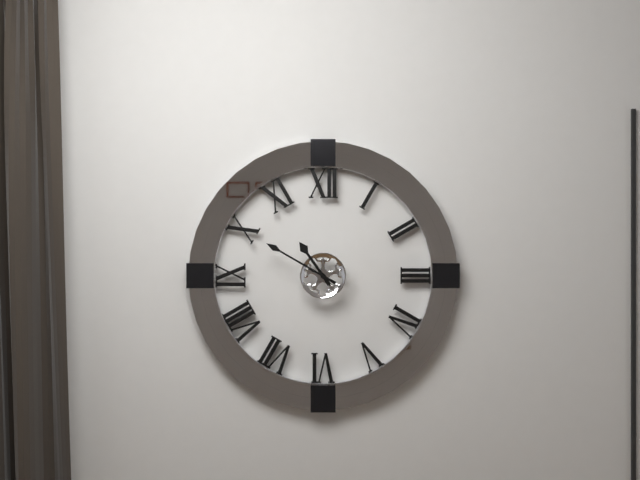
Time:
10:50
